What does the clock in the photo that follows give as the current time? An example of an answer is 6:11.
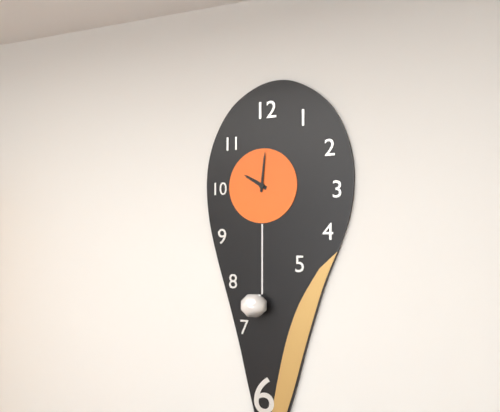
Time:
10:01
